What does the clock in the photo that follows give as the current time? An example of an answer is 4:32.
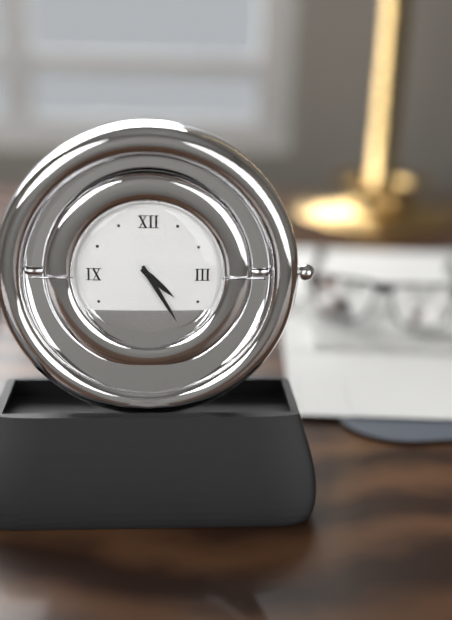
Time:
4:25
